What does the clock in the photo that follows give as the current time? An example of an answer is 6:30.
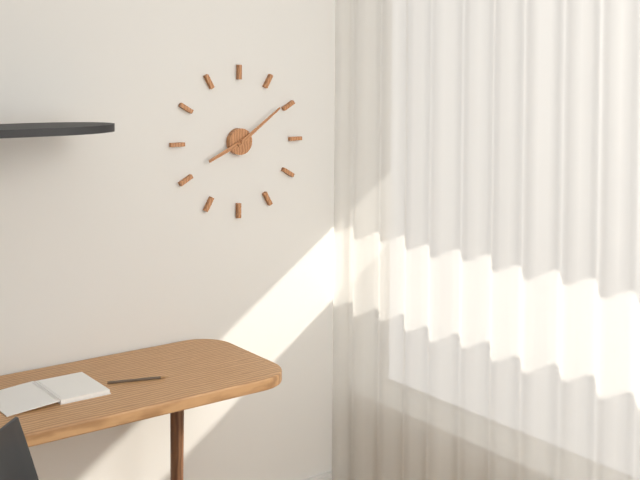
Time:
8:09
